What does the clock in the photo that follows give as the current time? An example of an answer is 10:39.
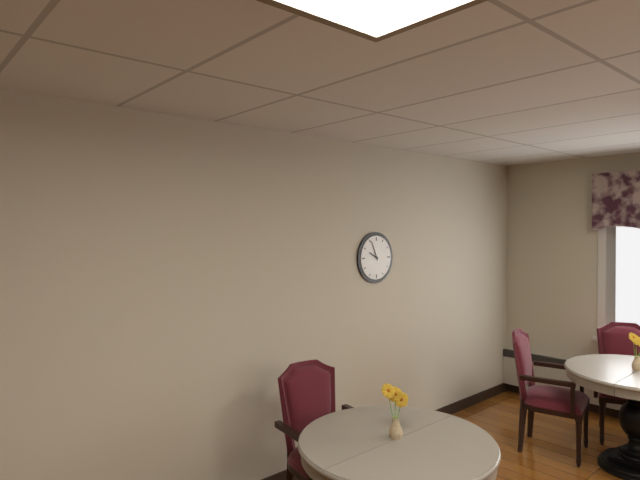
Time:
9:56
